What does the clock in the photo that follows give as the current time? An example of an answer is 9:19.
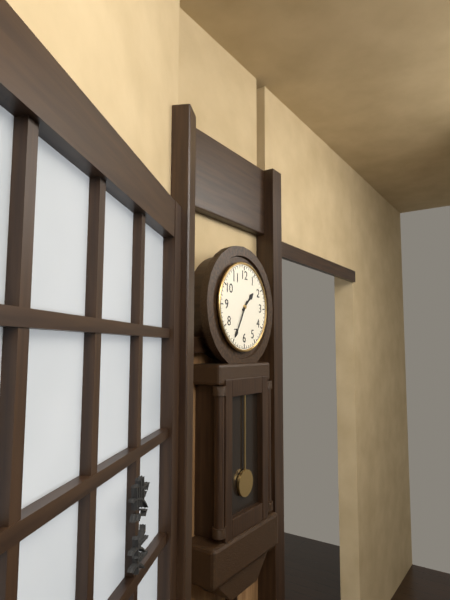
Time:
1:35
